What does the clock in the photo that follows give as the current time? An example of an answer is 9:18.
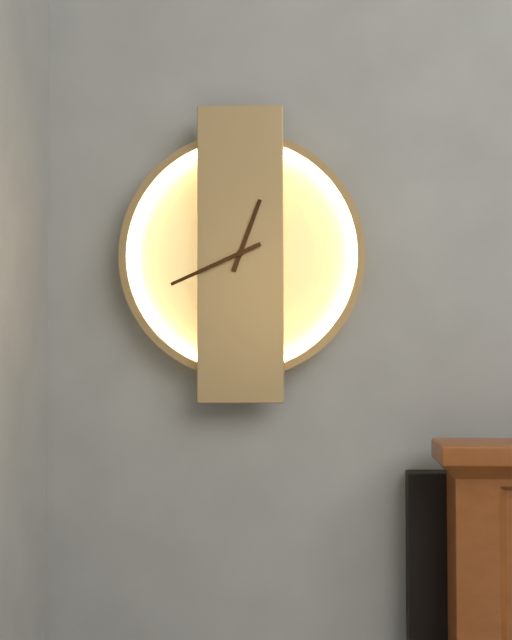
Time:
12:41
